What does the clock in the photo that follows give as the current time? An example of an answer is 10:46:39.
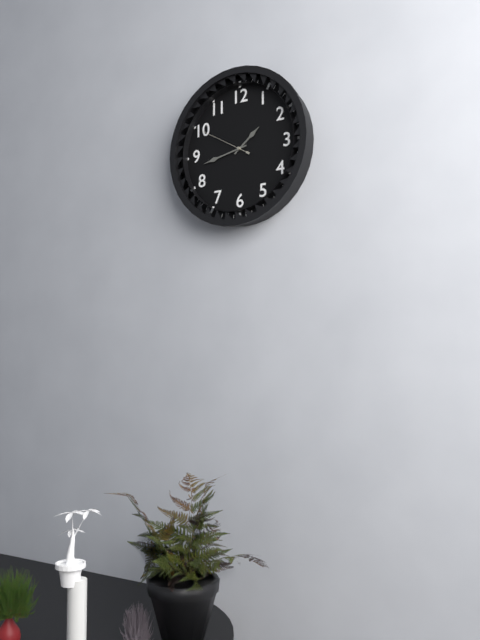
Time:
1:43:50
